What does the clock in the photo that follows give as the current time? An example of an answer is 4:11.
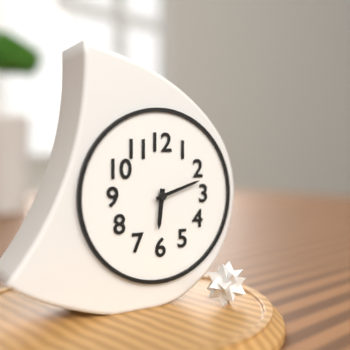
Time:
6:12
